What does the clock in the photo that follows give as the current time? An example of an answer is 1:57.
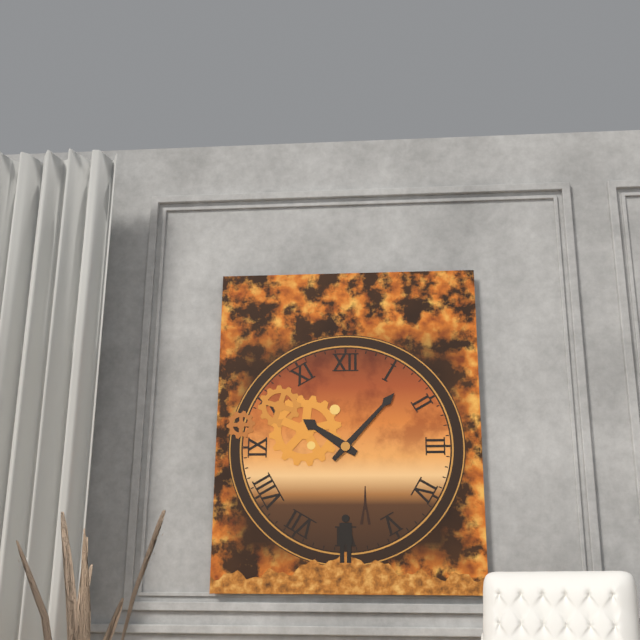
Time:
10:07
